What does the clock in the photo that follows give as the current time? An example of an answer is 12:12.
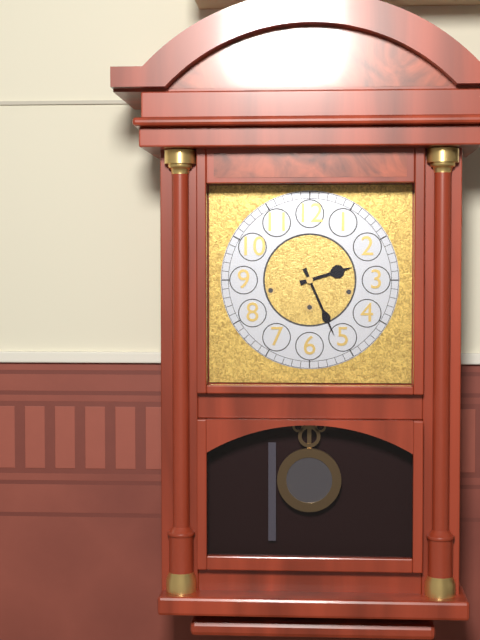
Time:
2:26
